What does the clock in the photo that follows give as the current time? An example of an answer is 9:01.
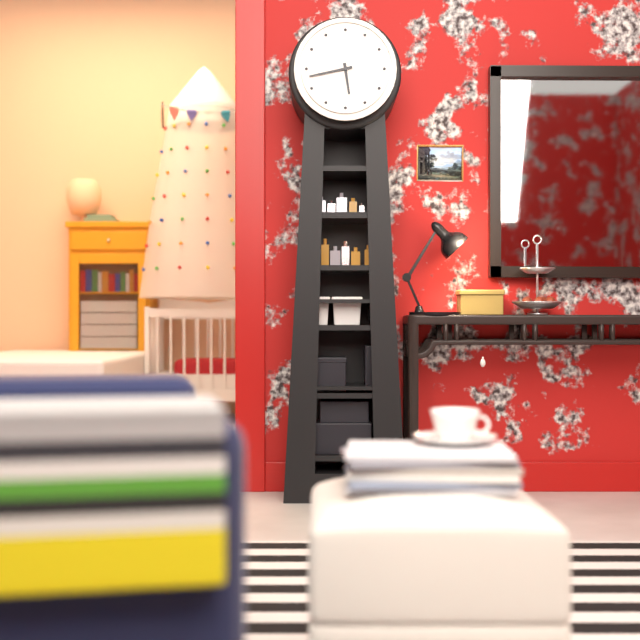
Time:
5:43
